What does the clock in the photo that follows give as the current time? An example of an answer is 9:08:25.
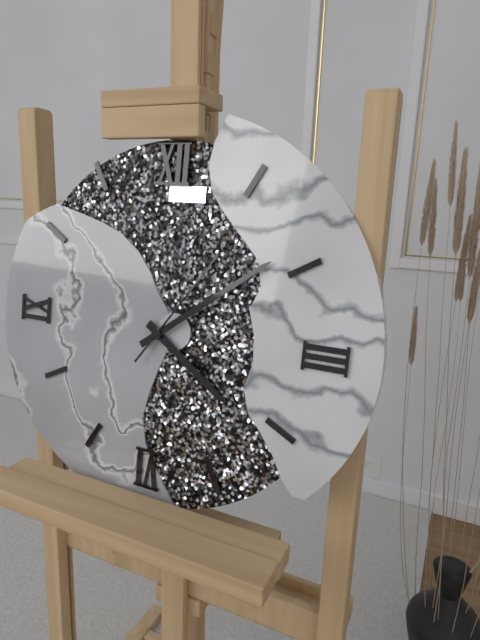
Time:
4:09:06
